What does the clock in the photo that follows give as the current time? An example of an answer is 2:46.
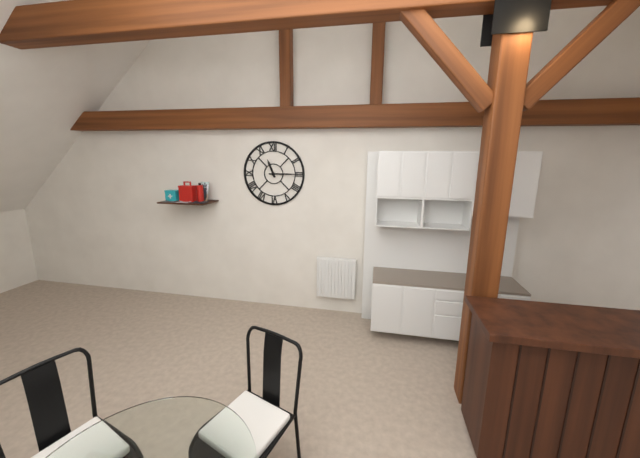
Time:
11:15
